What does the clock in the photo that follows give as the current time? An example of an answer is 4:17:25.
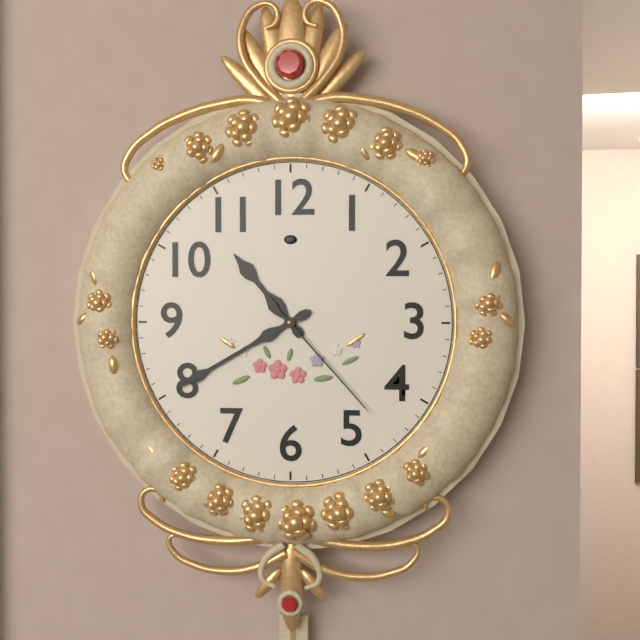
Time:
10:40:23
